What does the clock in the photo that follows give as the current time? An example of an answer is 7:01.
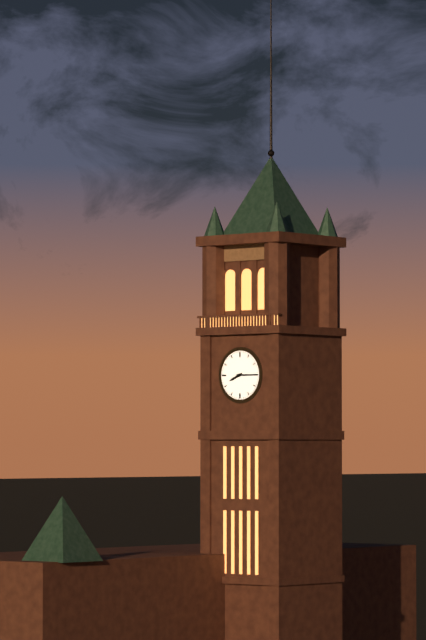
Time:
8:15
